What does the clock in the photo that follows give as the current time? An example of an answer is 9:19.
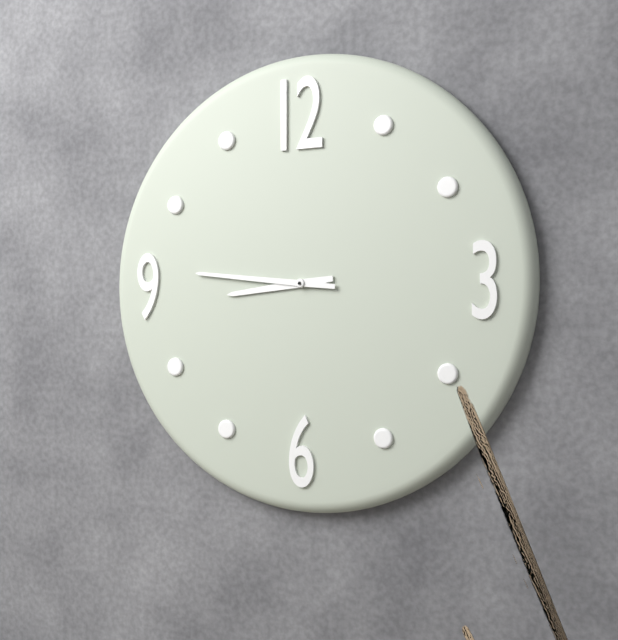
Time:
8:46
